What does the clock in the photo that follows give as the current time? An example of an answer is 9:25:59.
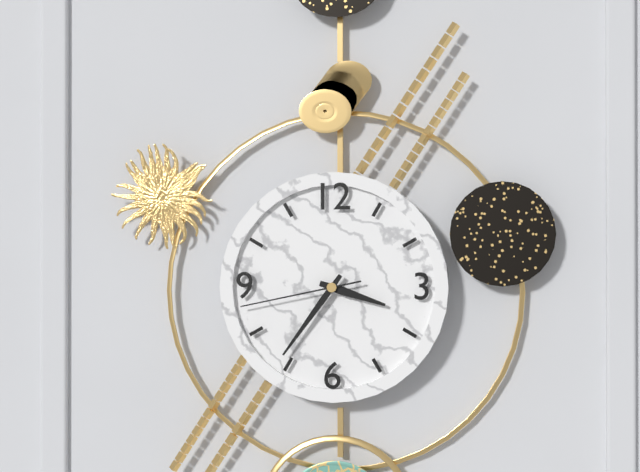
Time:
3:36:43
